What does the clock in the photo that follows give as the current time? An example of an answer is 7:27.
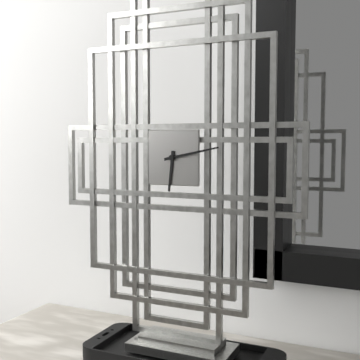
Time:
6:13
